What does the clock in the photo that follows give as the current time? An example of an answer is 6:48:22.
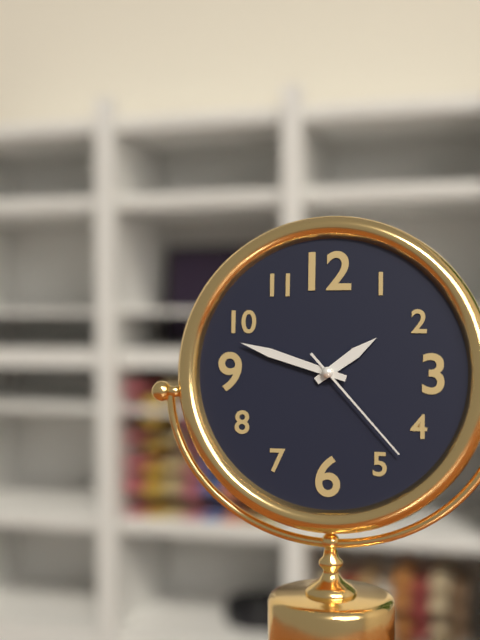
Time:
1:48:23
